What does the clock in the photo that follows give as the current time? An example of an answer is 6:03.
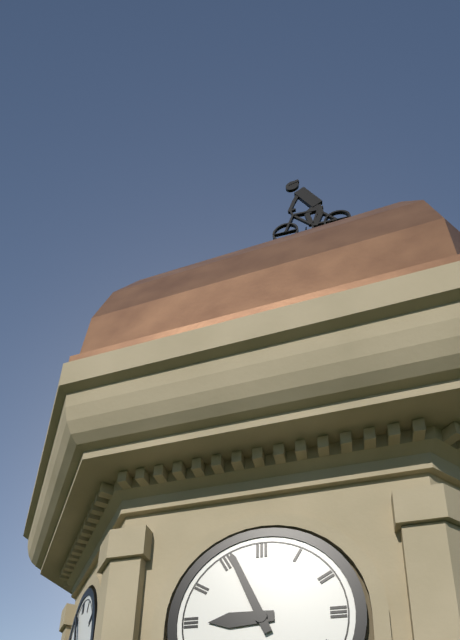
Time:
8:56
